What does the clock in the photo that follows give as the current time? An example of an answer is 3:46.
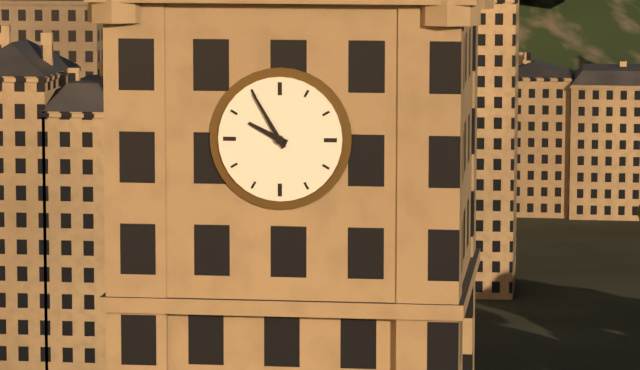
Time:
9:55
